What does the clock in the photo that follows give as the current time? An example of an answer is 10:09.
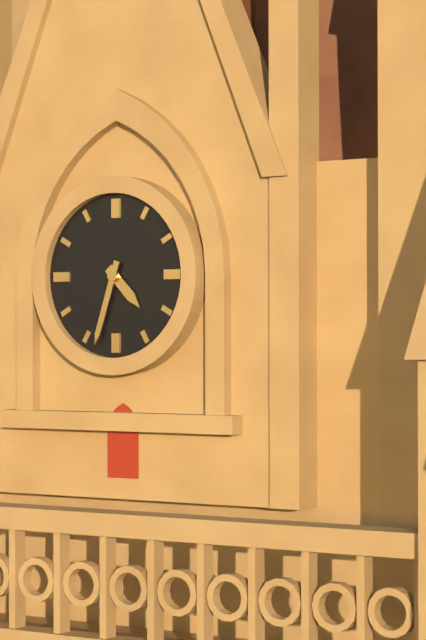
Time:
4:33
